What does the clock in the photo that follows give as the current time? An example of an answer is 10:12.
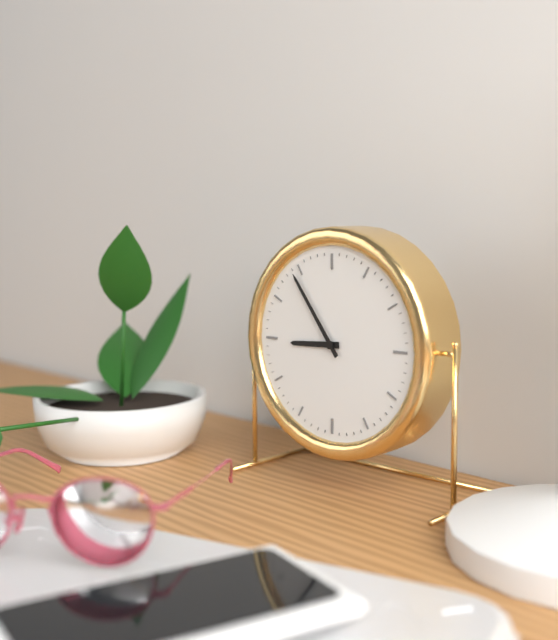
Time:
8:54
